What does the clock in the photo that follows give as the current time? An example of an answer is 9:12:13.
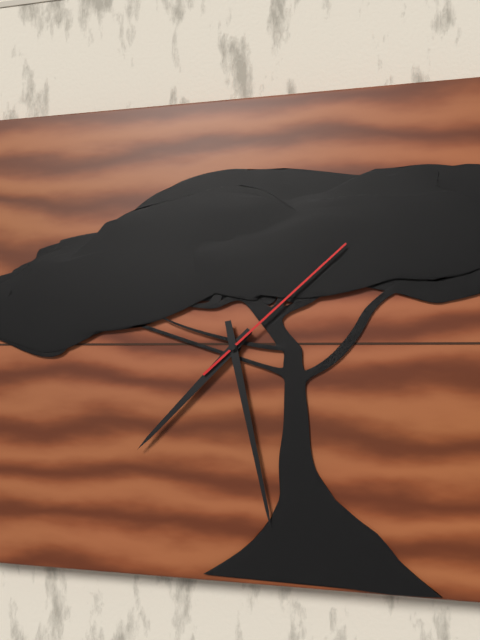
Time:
7:28:08
